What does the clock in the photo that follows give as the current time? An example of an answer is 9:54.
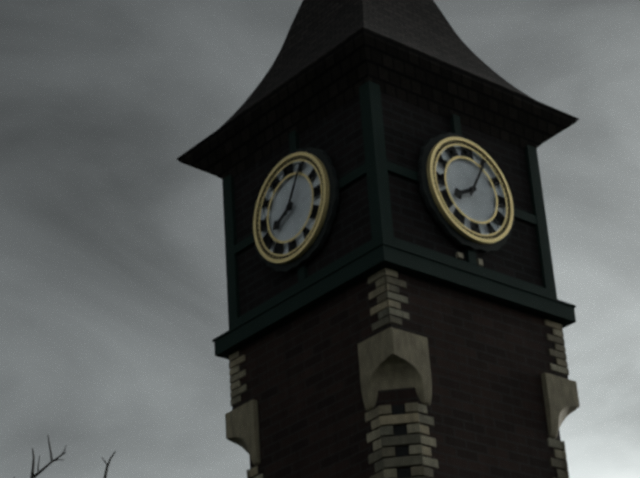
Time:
8:05
